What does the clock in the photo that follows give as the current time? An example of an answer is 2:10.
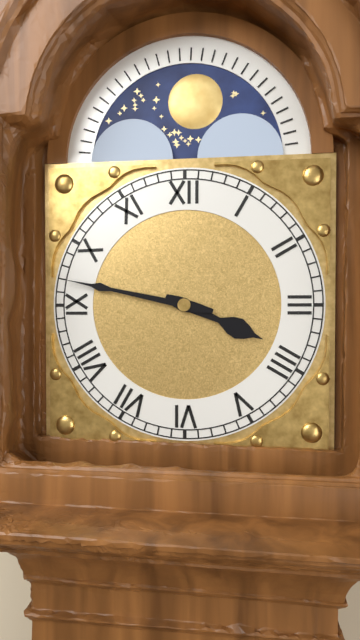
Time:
3:47
